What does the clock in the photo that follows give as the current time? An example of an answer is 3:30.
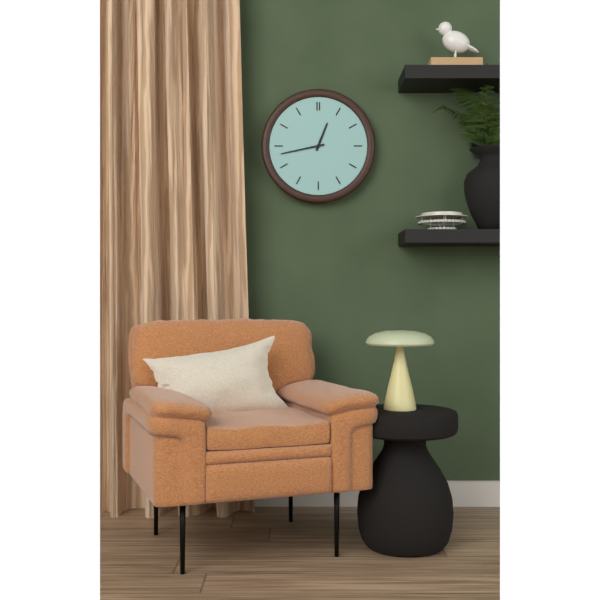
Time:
12:43
